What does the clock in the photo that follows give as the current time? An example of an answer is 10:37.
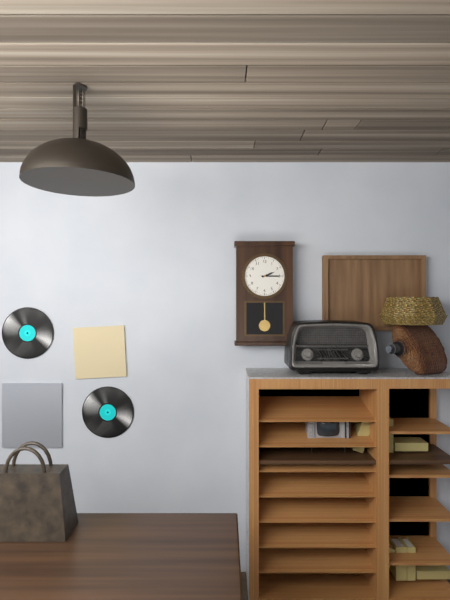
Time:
2:15
